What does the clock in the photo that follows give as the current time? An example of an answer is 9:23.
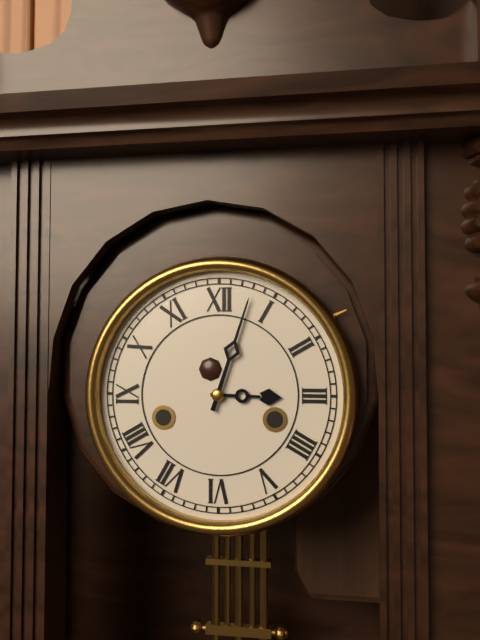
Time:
3:03
